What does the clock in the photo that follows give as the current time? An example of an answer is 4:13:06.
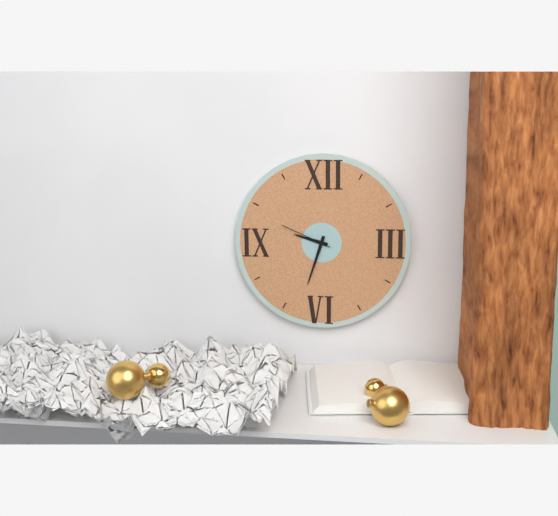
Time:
9:33:49
